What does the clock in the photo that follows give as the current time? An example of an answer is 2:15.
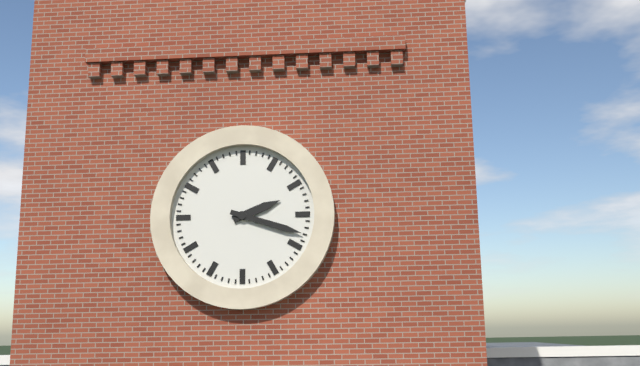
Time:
2:18
